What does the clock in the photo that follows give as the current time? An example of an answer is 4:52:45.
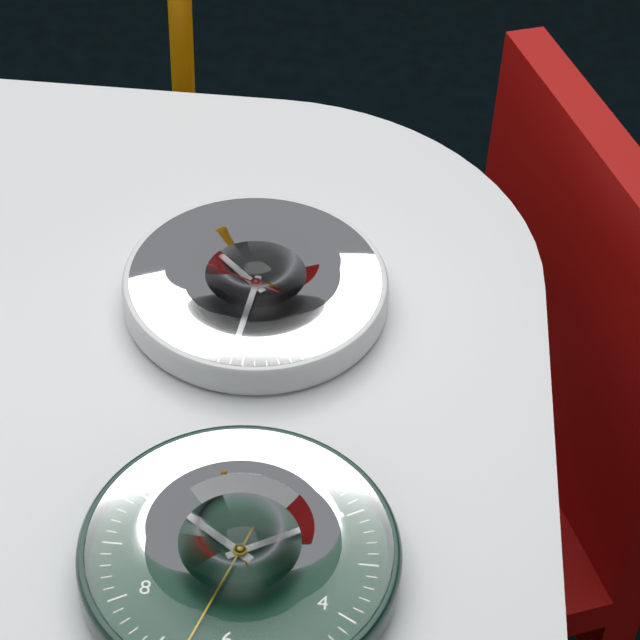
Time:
10:31:49
